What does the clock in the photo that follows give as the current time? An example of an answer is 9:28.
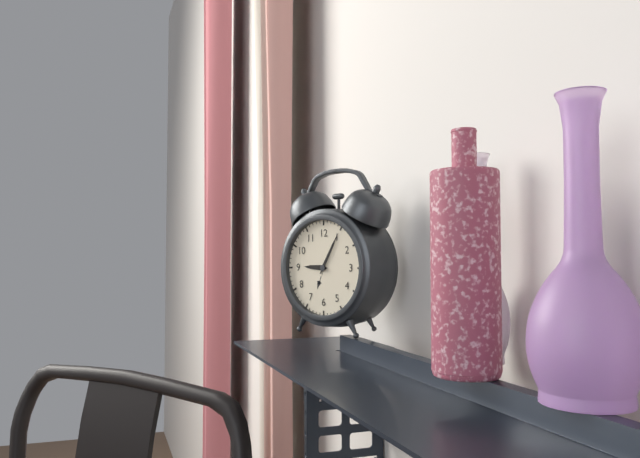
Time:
9:05
